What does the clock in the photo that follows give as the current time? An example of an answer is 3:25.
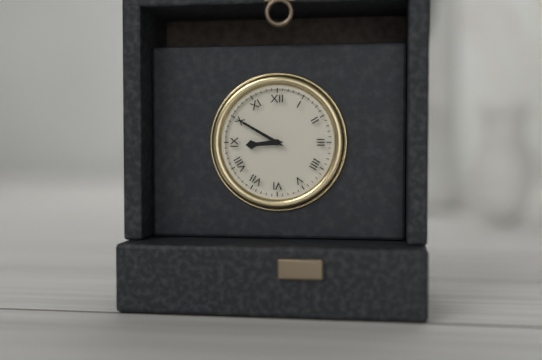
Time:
8:50
